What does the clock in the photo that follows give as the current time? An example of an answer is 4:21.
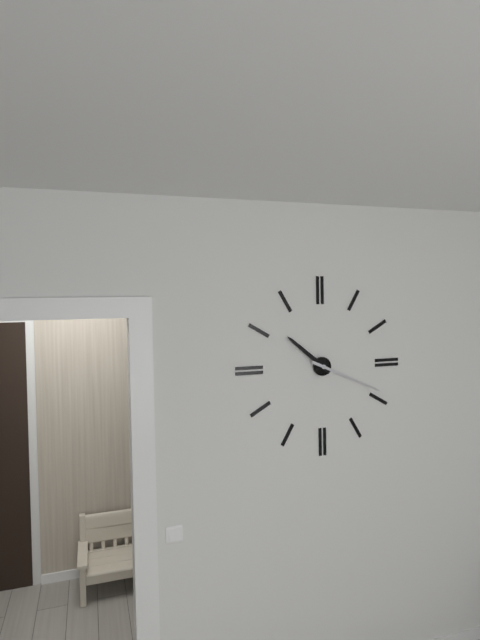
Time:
10:19
